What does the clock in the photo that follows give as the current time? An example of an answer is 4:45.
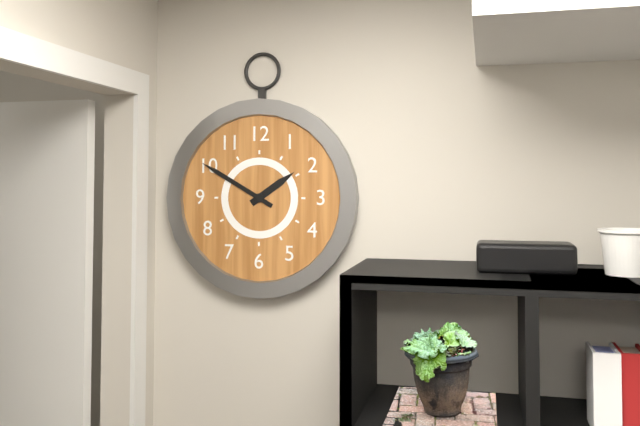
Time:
1:50
